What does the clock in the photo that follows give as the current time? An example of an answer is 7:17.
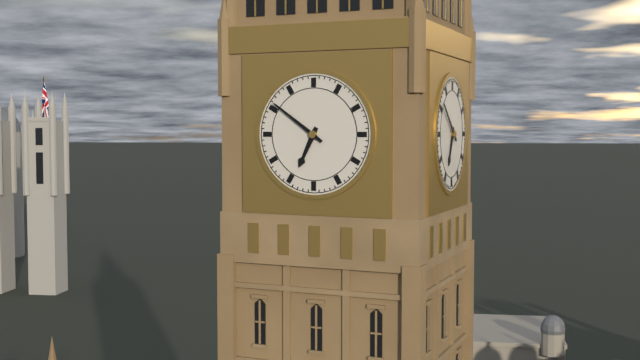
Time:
6:51
